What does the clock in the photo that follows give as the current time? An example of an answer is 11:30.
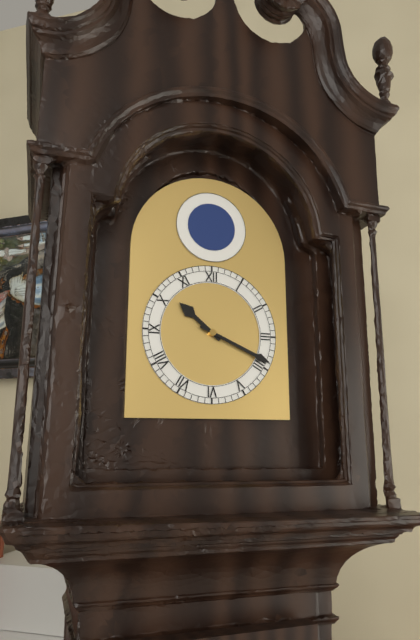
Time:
10:19
